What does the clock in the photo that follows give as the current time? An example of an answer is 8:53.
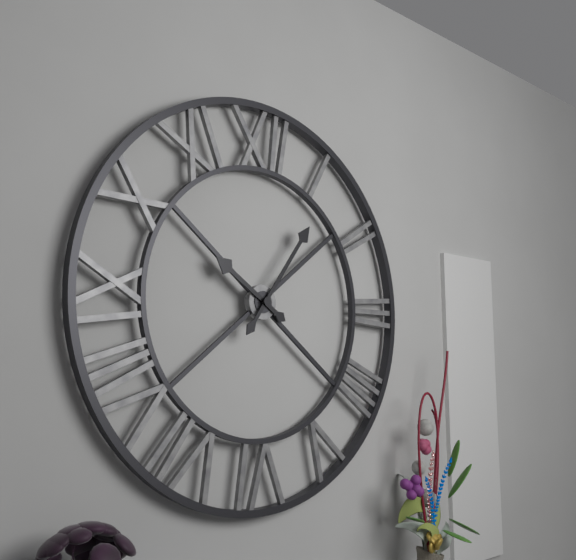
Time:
10:06
